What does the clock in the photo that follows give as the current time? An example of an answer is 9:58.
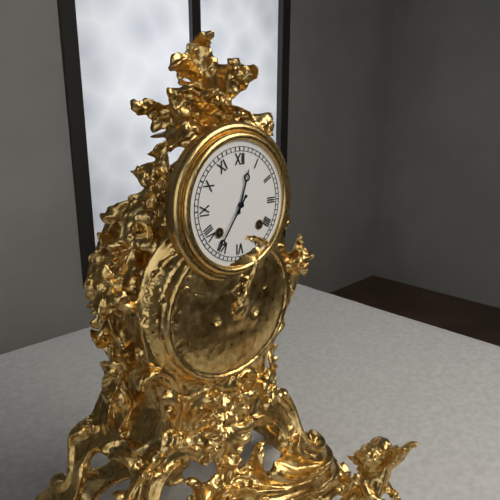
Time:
12:36
